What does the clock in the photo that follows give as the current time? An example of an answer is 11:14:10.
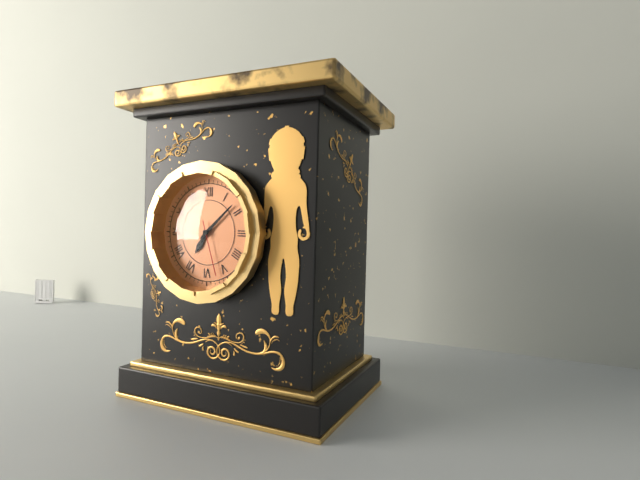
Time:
7:08:27
